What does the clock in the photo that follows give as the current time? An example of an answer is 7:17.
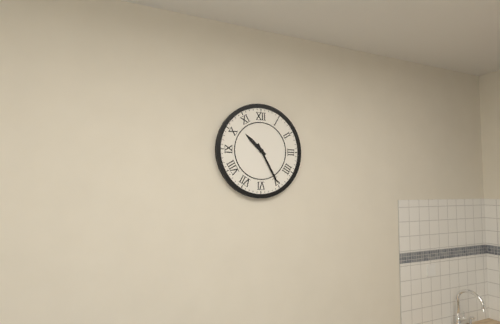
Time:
10:25
